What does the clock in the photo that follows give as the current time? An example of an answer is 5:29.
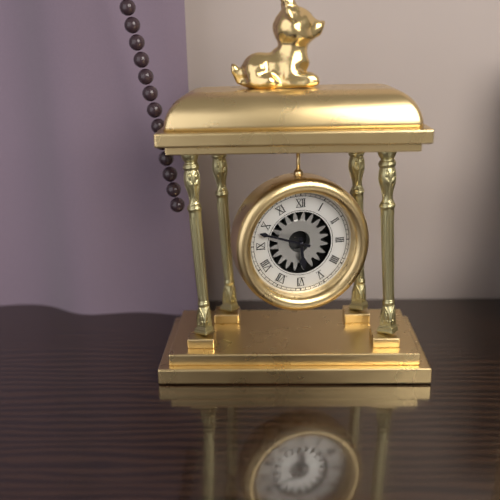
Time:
5:48
